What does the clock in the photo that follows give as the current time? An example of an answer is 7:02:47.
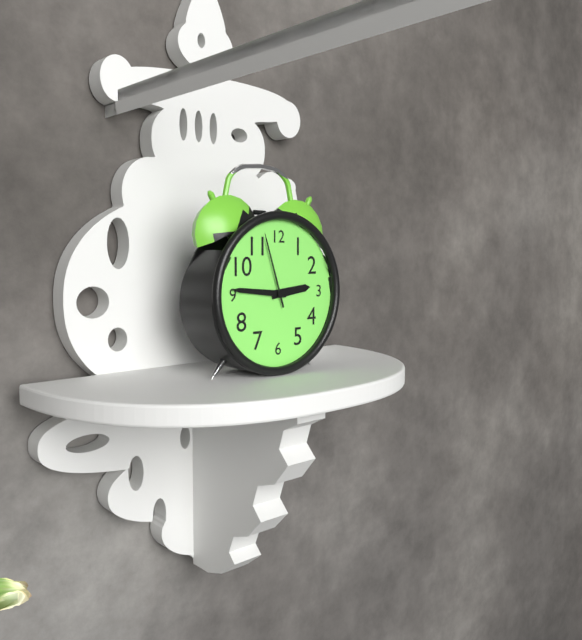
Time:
2:46:57
